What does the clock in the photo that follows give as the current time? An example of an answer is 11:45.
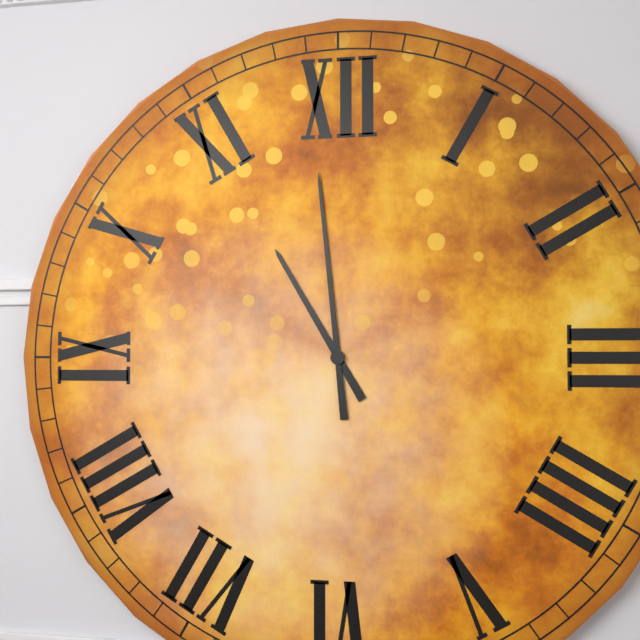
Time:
10:59
